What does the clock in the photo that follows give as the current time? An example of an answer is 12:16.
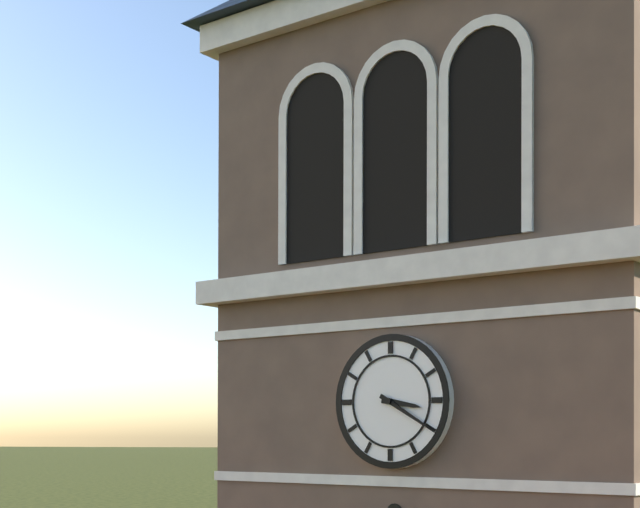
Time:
3:20
